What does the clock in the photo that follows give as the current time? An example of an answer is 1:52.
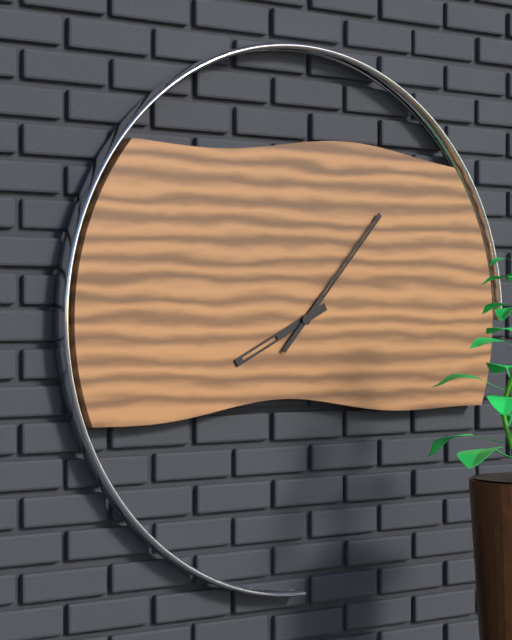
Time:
8:07
